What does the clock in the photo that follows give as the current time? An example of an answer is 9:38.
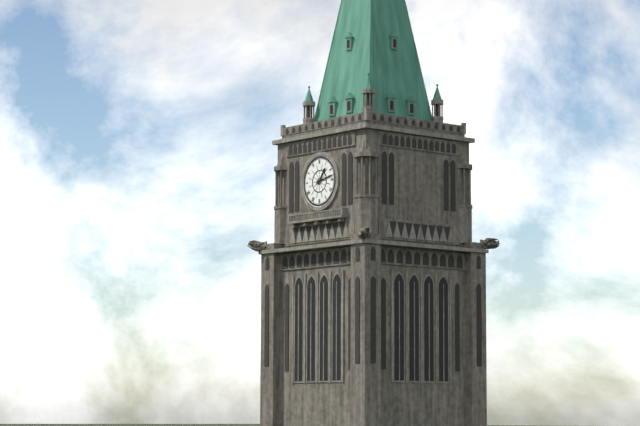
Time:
1:13
